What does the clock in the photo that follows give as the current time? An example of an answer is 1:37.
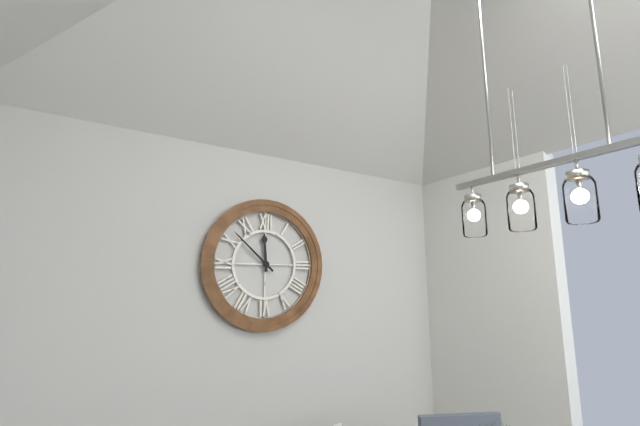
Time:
11:52
